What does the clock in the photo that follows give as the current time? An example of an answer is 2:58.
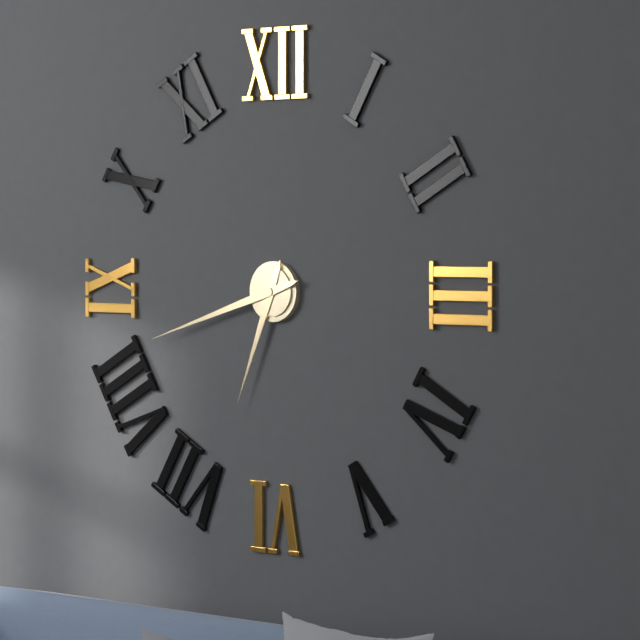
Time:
6:42
